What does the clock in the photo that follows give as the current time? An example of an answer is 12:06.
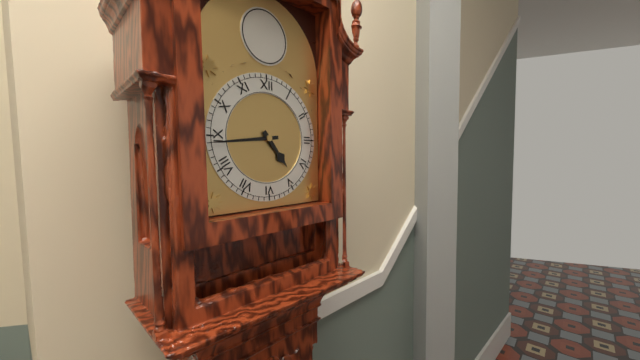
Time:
4:44
